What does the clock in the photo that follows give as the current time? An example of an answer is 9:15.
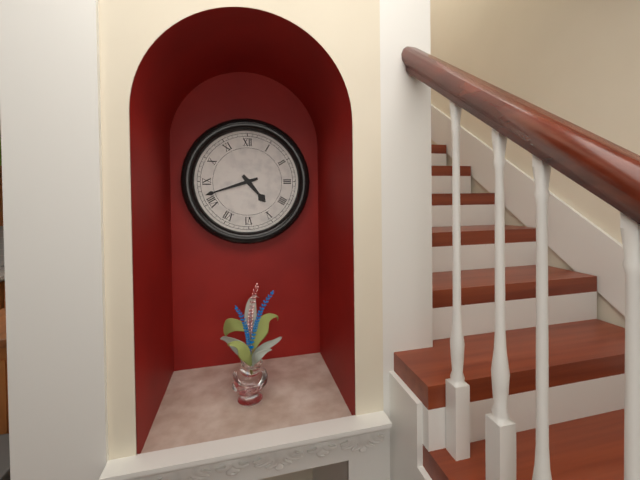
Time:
4:42
